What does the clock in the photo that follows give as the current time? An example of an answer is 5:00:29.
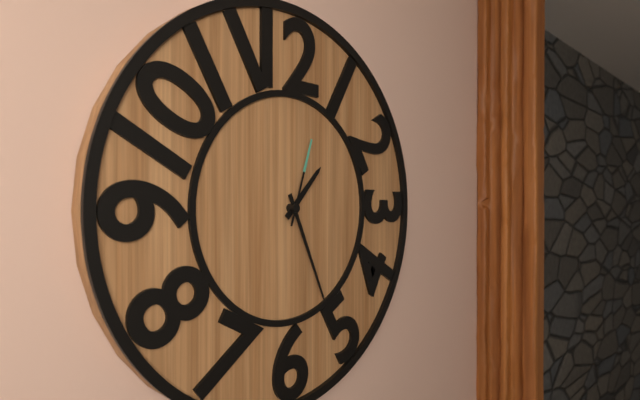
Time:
1:26:03
